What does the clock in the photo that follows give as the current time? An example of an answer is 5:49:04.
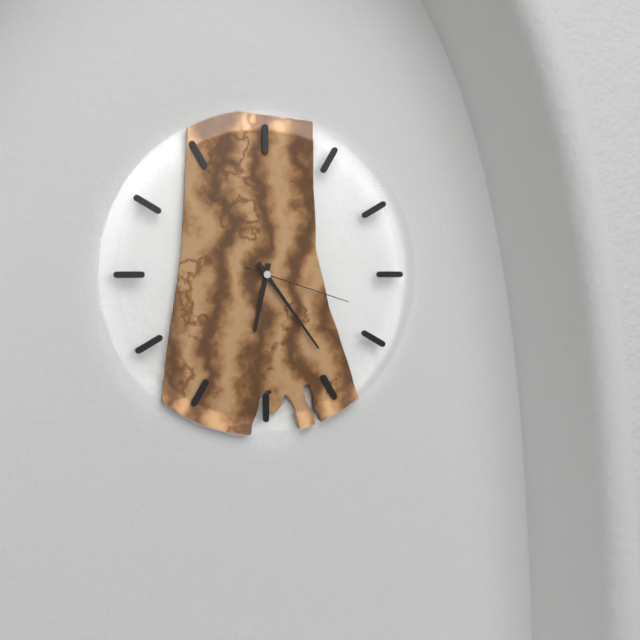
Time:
6:24:18
